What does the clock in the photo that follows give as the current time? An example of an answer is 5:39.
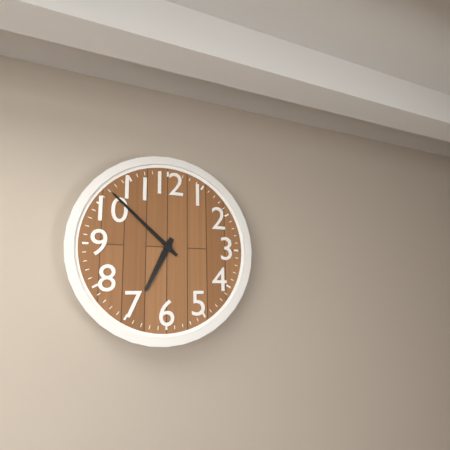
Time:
6:52
